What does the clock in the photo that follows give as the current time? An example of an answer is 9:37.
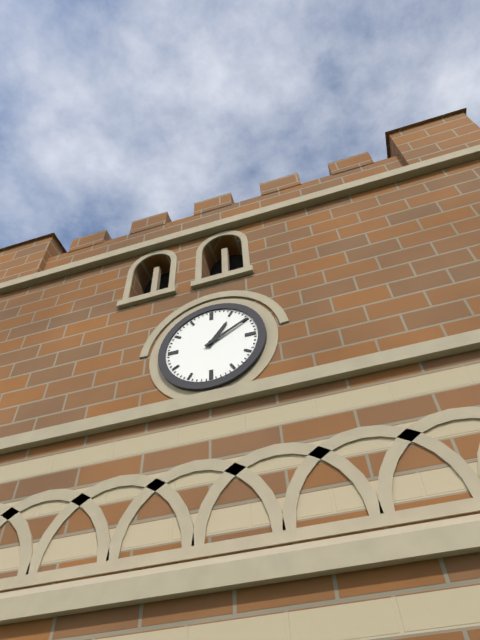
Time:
1:10
